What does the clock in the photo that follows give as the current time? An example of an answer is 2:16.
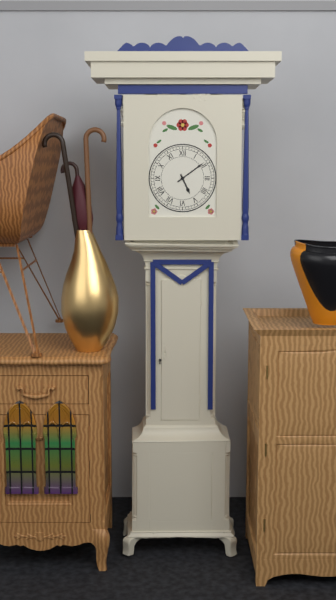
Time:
5:09
